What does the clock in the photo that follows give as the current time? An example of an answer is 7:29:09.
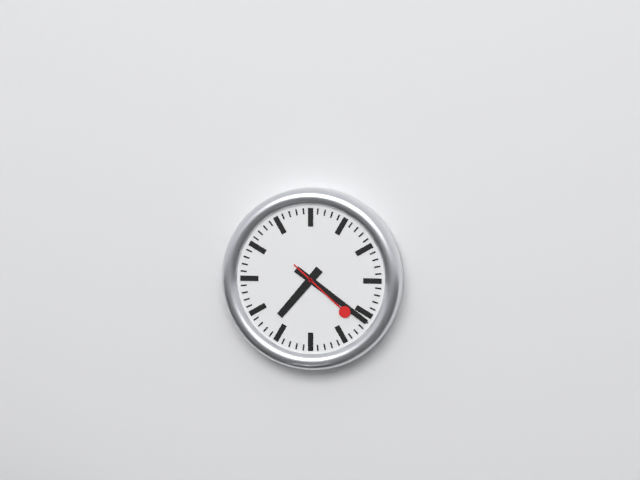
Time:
7:21:22
